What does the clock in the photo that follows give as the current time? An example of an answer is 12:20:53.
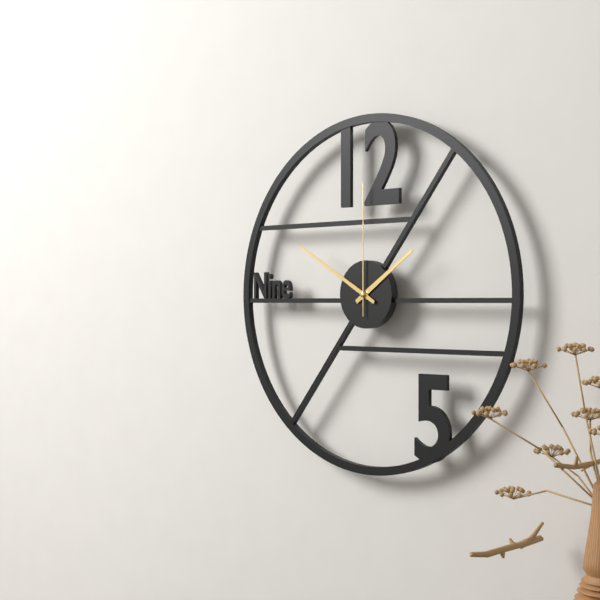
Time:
1:50:00
